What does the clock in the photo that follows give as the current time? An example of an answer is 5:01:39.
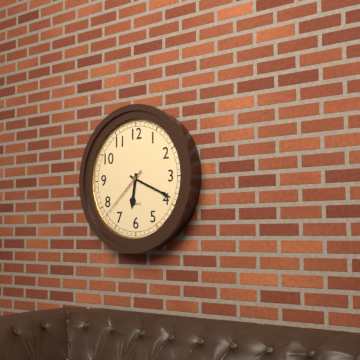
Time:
6:19:38
